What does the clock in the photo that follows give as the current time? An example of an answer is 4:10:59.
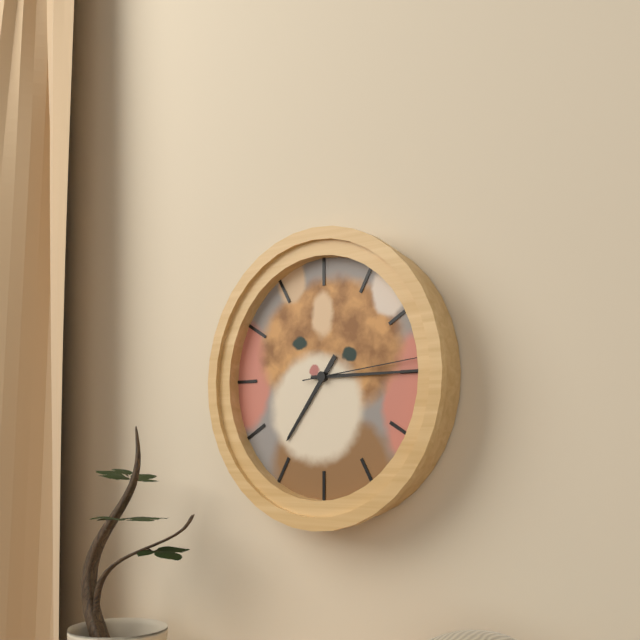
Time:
7:15:14
